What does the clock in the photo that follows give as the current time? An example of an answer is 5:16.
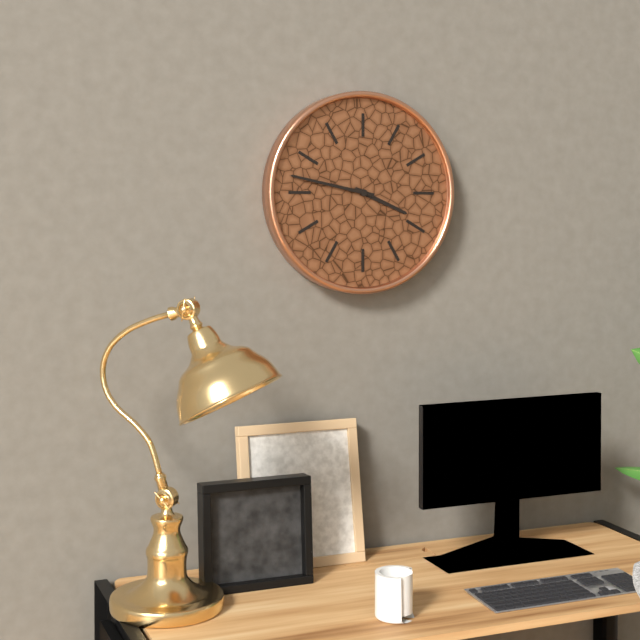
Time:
3:47
